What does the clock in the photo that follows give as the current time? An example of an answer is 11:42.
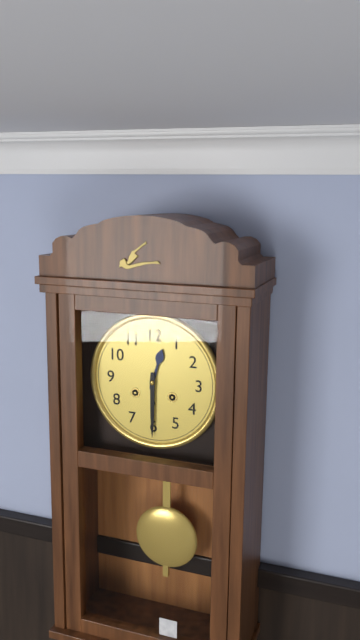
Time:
12:30
